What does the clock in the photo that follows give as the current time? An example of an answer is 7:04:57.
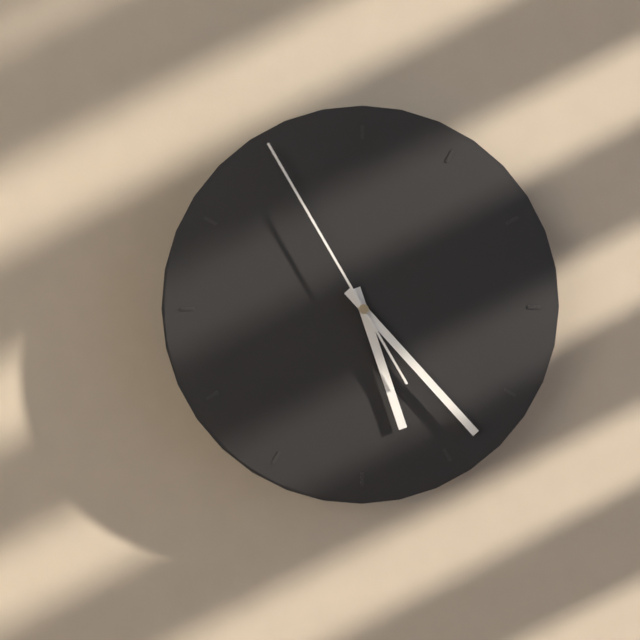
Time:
5:23:55
